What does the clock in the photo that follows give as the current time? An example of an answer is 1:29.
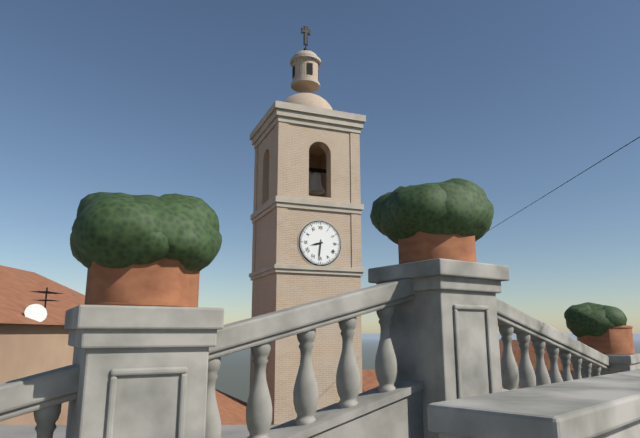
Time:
8:31
